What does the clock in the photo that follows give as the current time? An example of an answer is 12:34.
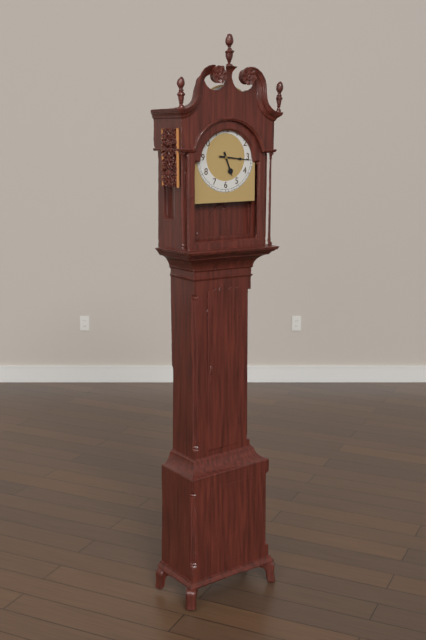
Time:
5:16
